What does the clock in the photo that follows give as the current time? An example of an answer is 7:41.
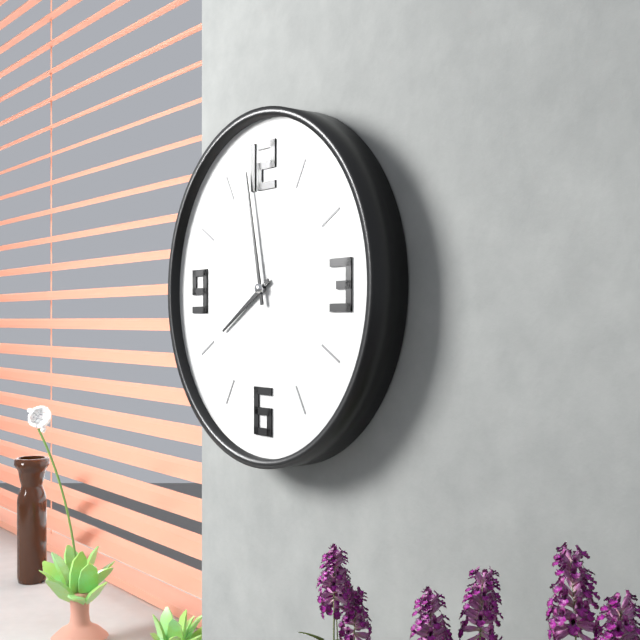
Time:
7:58
